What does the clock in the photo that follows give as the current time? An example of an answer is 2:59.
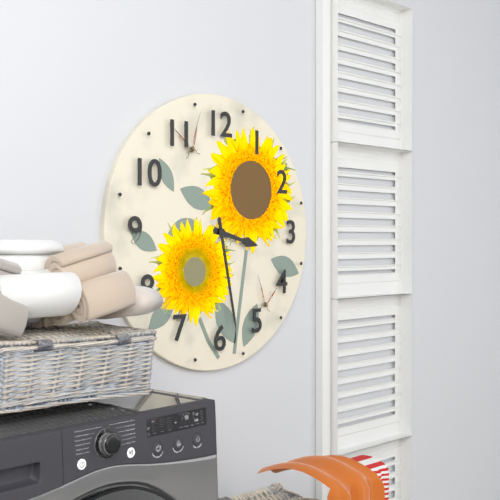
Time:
3:28
